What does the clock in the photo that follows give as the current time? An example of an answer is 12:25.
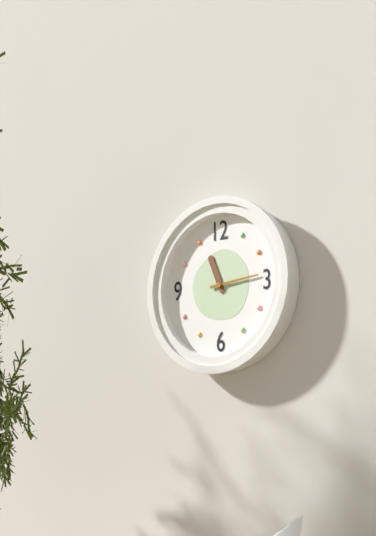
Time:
11:14
